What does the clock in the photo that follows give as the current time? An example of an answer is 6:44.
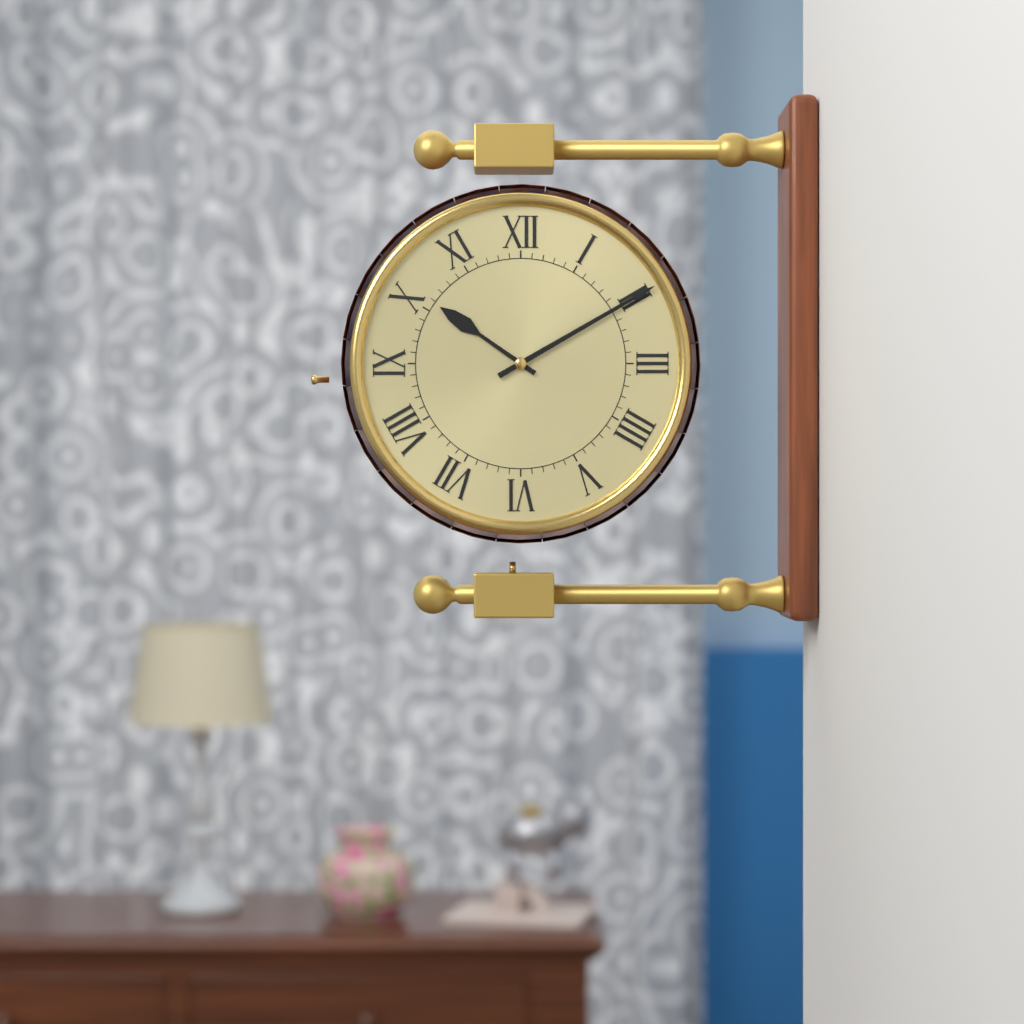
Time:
10:10
